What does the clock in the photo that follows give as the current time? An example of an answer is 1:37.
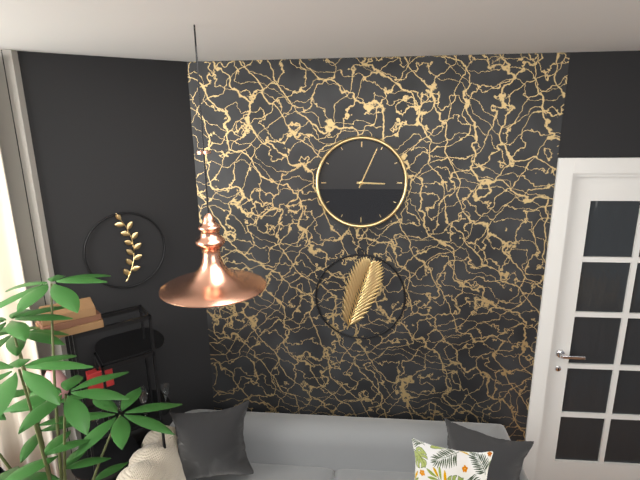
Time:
3:04
